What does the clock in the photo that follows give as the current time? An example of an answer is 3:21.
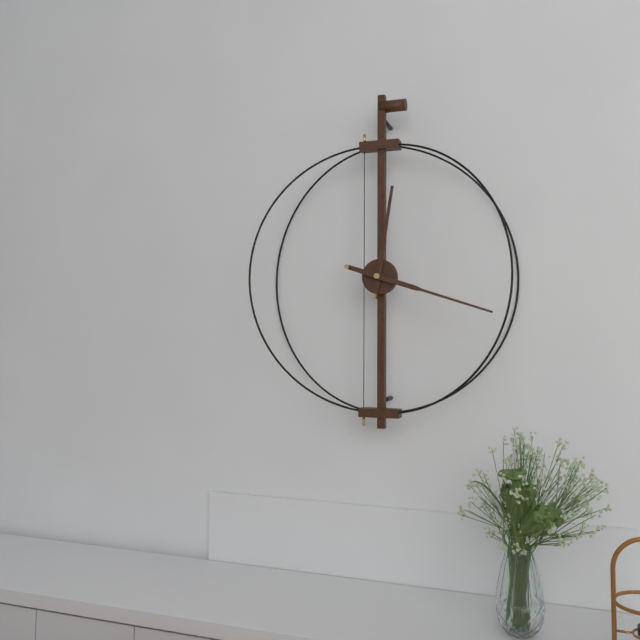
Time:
12:18
